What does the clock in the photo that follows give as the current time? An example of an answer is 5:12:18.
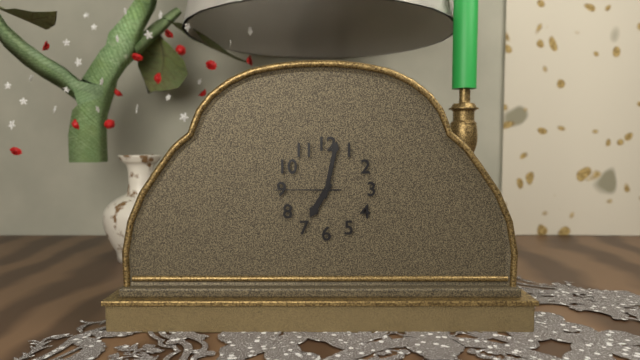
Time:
7:02:45
